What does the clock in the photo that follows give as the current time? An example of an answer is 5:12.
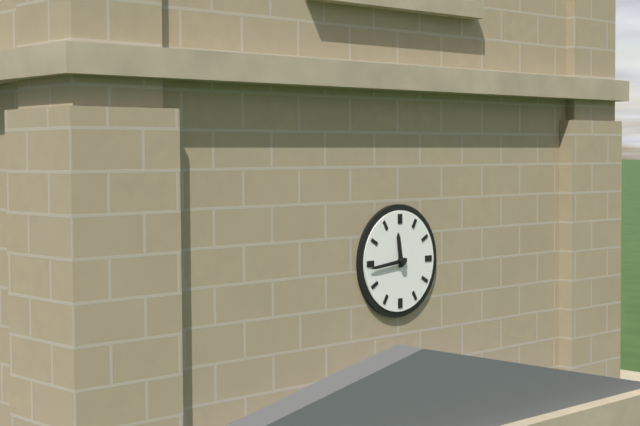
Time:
11:44
